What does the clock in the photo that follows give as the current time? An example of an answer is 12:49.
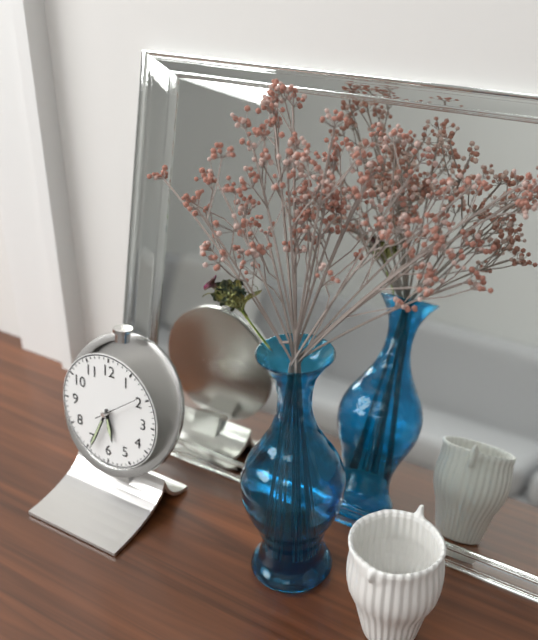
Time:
5:34
